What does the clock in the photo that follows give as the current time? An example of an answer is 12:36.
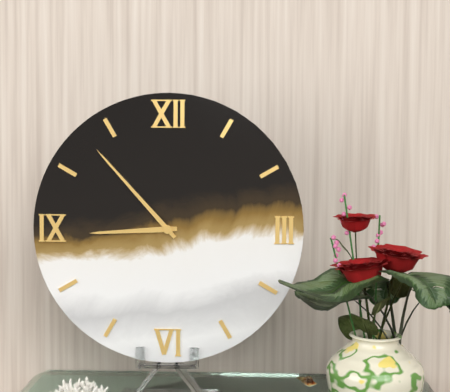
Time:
8:53
